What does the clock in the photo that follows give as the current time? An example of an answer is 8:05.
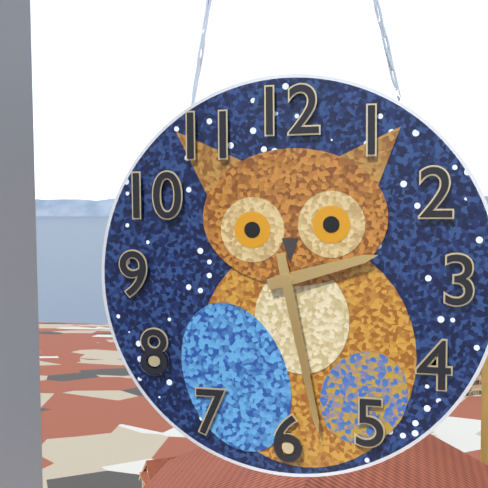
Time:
2:28
